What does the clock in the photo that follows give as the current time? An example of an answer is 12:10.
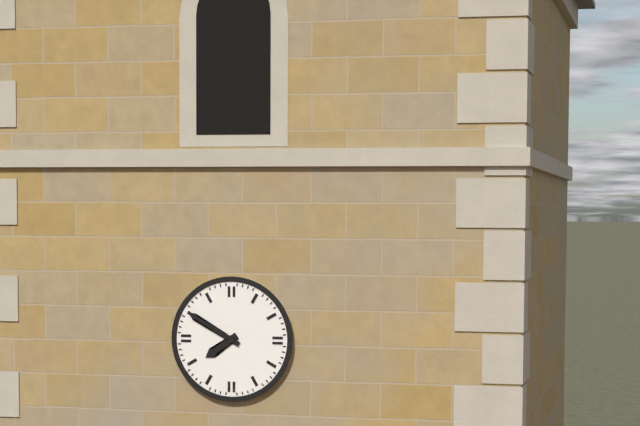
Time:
7:50
